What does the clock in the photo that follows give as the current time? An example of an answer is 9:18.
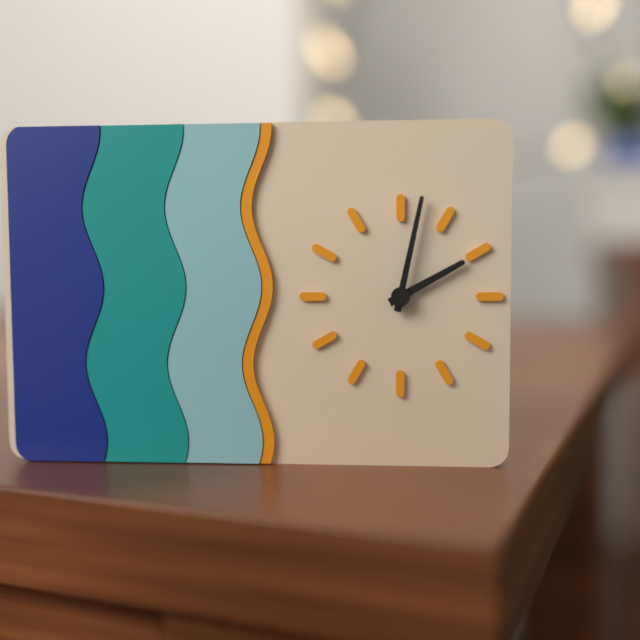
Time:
2:02
